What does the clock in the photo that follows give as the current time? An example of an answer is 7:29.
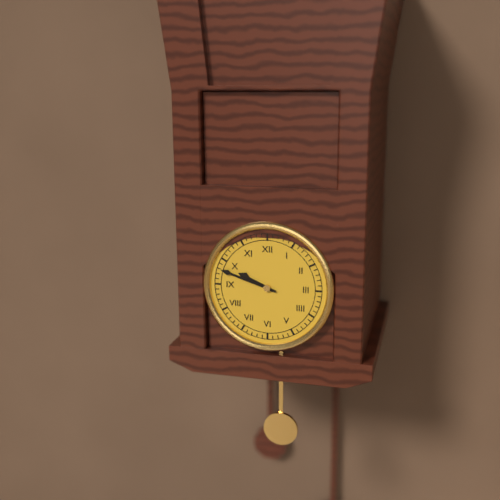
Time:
9:48
